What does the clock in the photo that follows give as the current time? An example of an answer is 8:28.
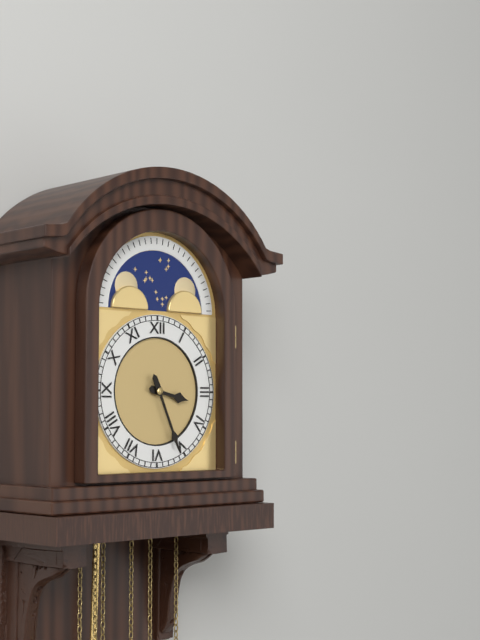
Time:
3:26
